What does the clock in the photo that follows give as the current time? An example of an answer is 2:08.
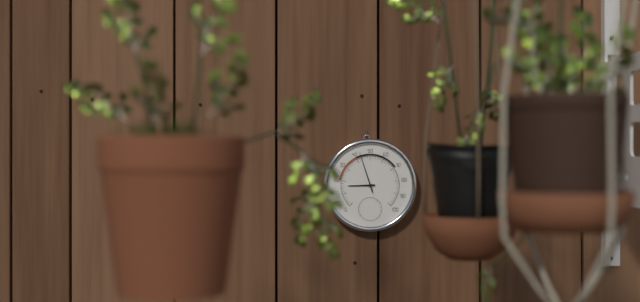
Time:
8:57
